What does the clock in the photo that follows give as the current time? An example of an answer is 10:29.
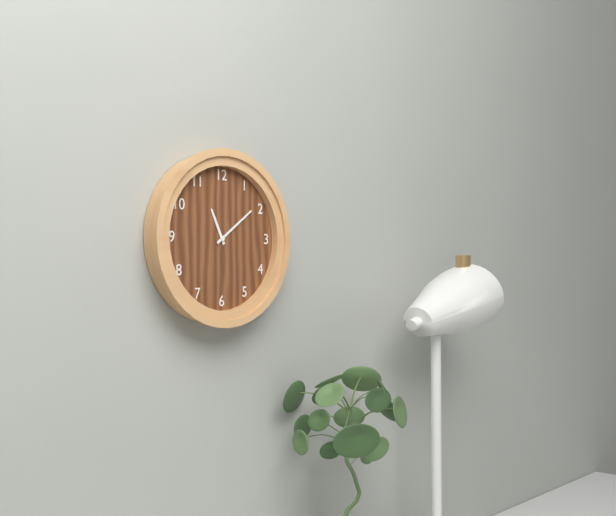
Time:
11:09
